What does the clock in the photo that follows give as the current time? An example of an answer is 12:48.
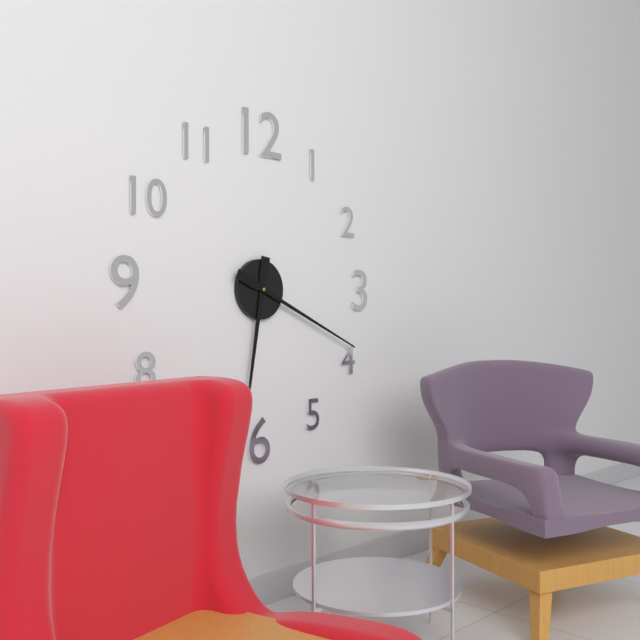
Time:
6:19
